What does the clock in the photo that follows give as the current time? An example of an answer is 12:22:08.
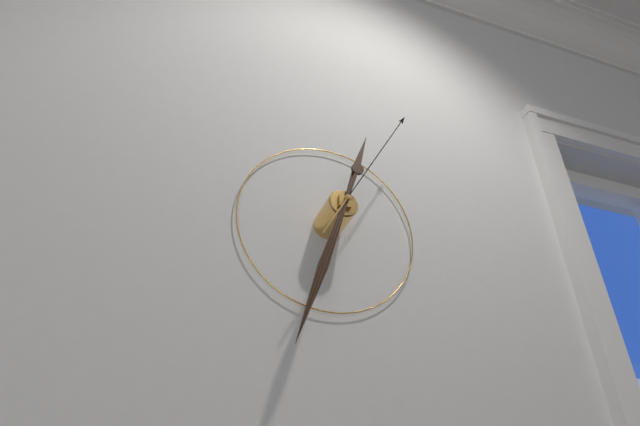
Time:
12:33:05
